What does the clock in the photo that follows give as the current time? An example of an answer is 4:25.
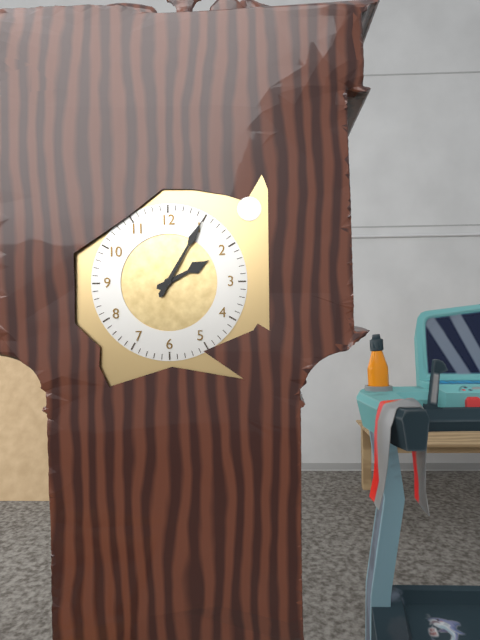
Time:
2:05
